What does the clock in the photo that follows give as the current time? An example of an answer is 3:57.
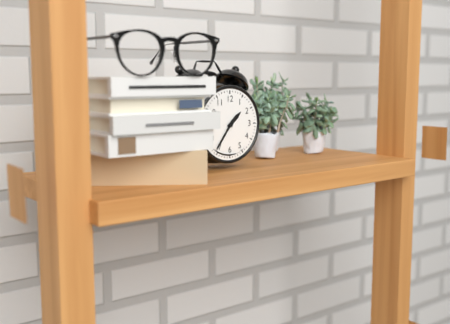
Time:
1:36
